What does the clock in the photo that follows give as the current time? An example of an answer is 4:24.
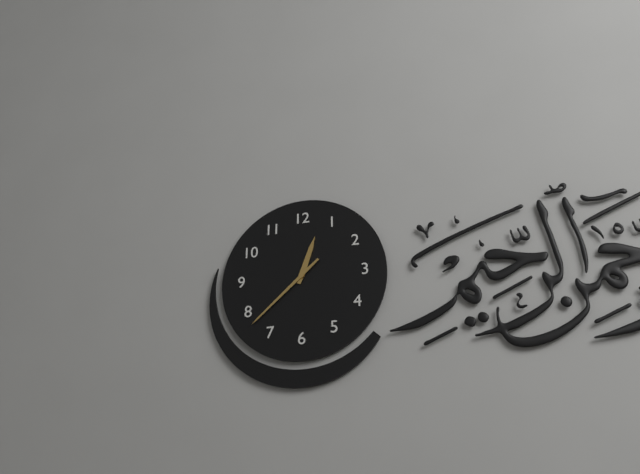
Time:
12:38
